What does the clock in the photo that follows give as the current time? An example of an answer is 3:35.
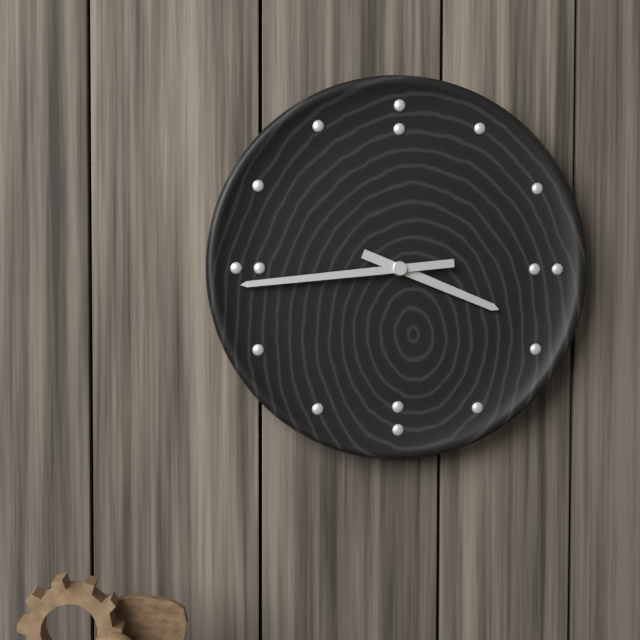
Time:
3:44
